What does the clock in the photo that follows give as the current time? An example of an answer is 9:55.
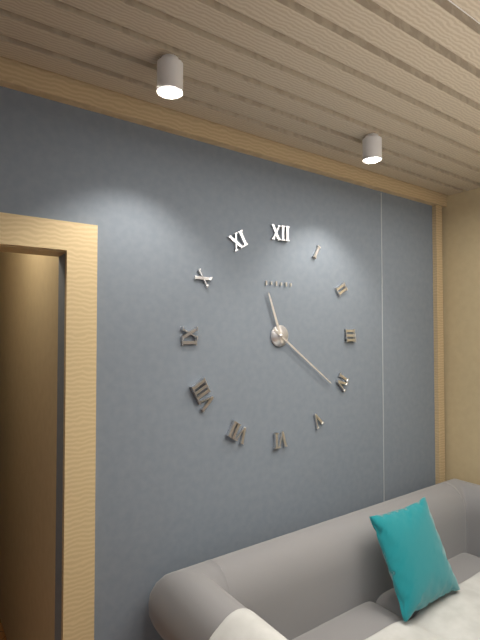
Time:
11:21
